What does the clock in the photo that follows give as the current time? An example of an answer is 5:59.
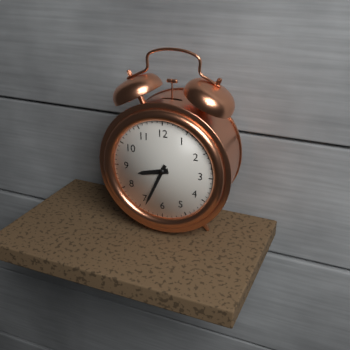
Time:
8:34
